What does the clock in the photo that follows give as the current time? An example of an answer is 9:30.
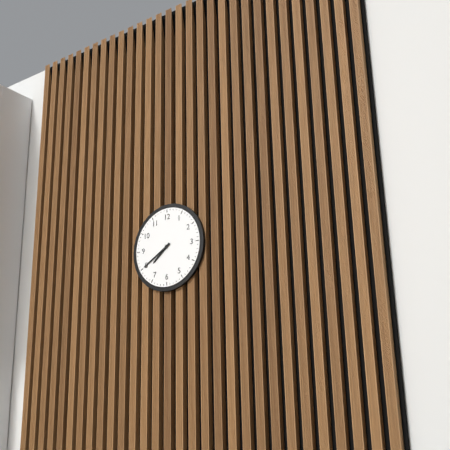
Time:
7:40
